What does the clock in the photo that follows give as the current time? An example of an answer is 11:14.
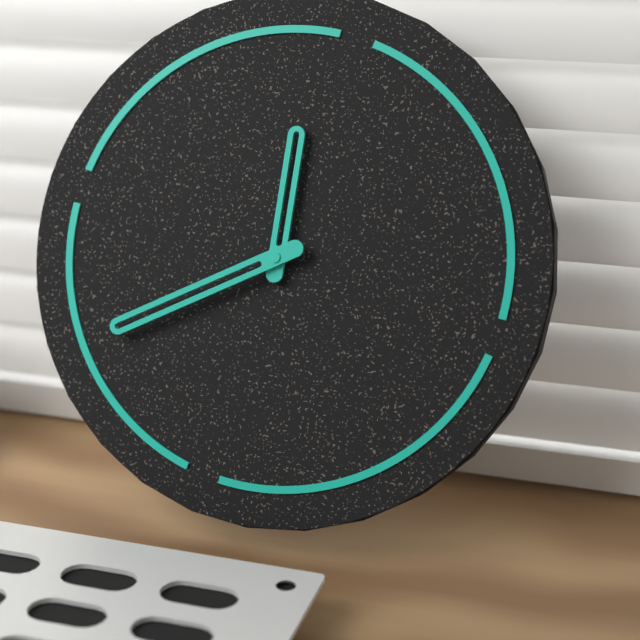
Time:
11:38
